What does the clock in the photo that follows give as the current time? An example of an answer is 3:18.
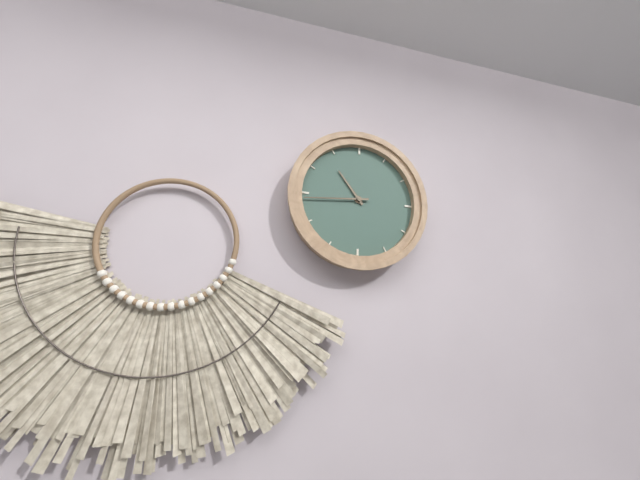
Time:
10:44
